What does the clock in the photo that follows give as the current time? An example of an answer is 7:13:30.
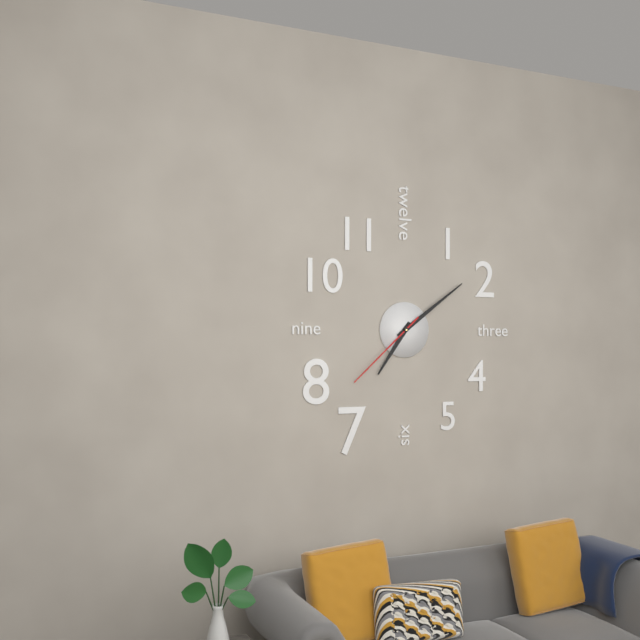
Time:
7:09:38
